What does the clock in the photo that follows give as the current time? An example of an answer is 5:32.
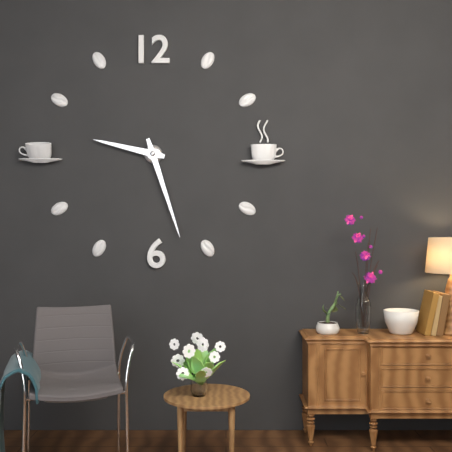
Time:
9:27
